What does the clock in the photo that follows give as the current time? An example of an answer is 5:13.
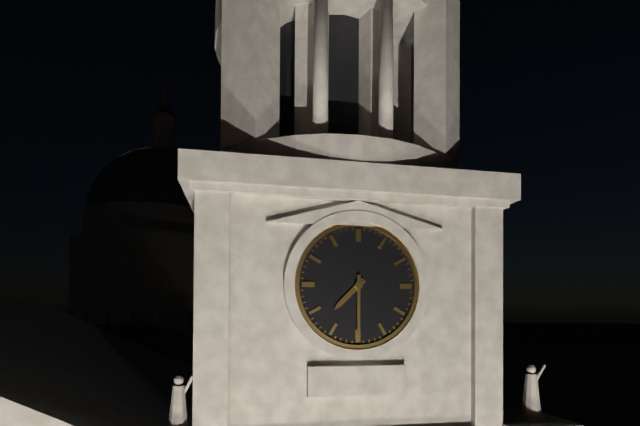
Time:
7:30
